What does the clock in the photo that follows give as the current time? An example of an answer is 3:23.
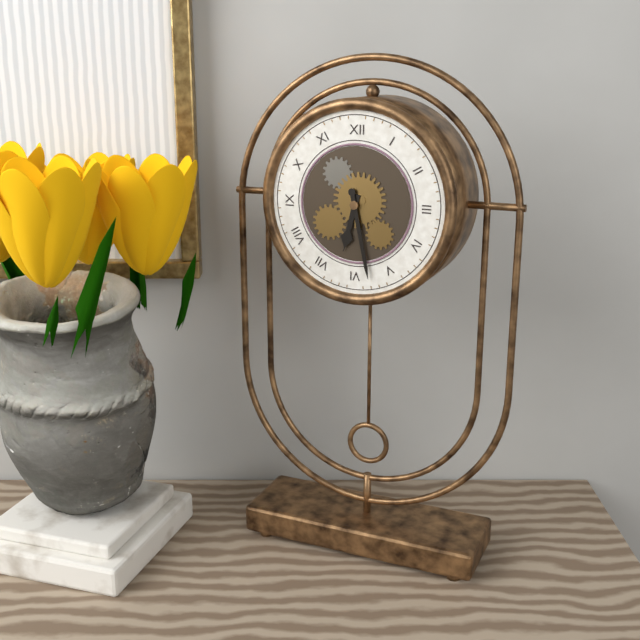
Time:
6:28
